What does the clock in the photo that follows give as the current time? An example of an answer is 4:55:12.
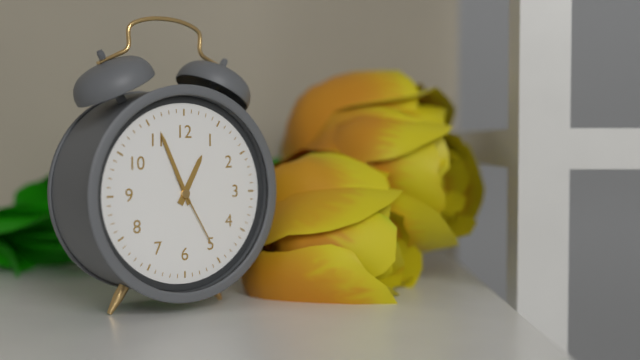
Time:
12:56:25
